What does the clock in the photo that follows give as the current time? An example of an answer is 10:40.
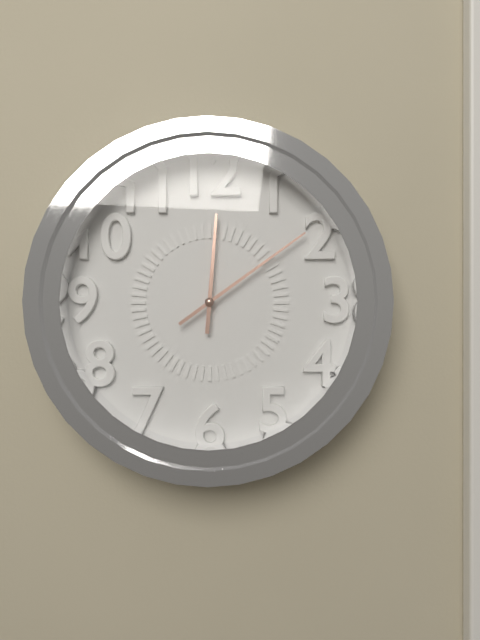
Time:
12:09
